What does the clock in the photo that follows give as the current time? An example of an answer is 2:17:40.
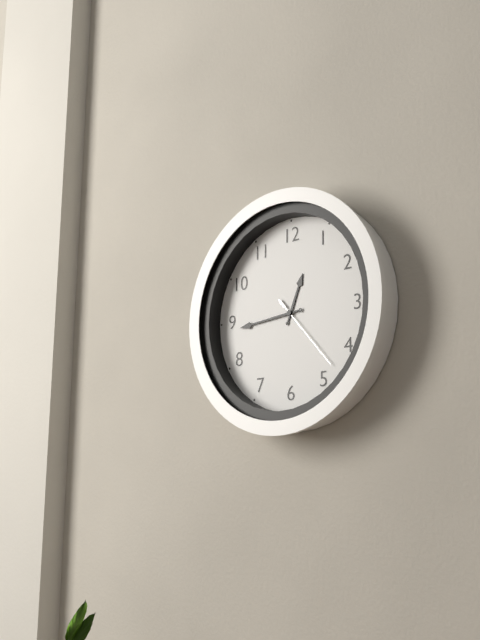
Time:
12:44:23
